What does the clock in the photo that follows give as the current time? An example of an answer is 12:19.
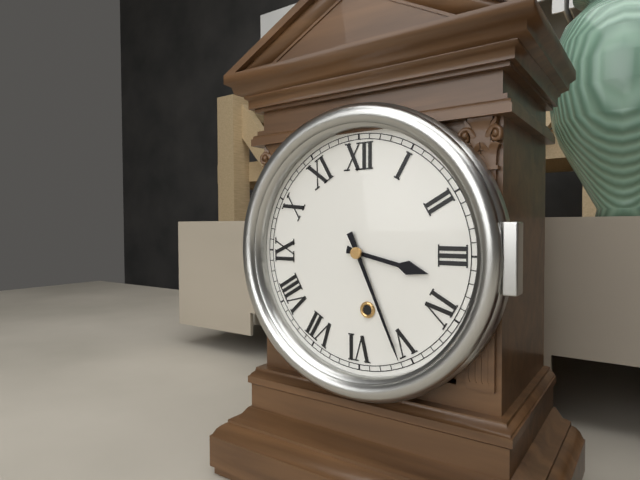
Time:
3:26
